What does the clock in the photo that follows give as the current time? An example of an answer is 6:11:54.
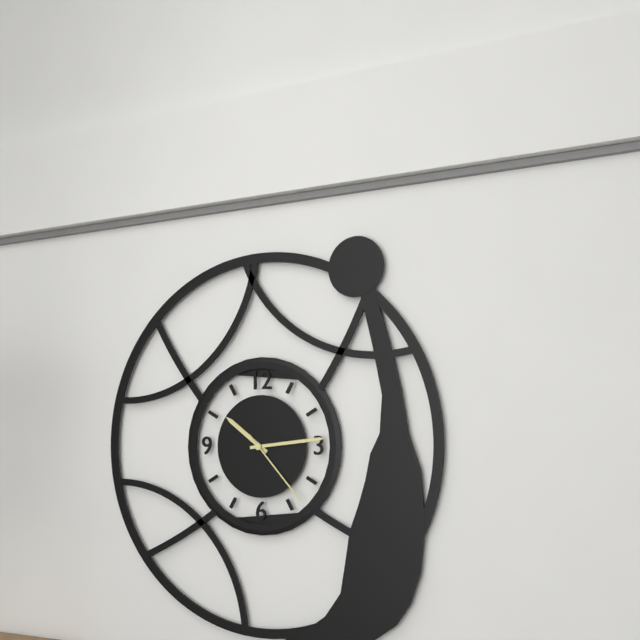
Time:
10:14:23
